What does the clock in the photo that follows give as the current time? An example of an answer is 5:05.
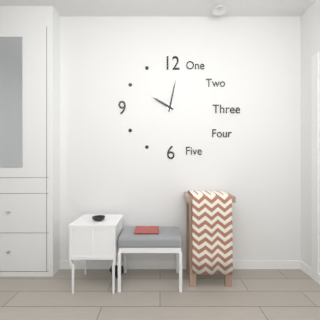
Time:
10:02
